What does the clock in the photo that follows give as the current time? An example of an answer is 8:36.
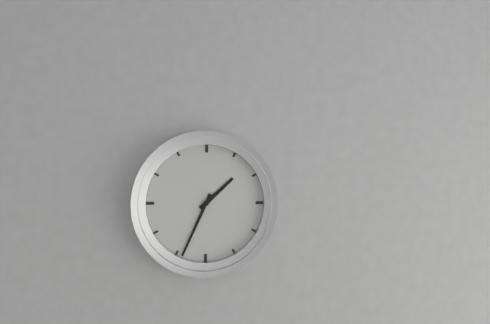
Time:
1:34
